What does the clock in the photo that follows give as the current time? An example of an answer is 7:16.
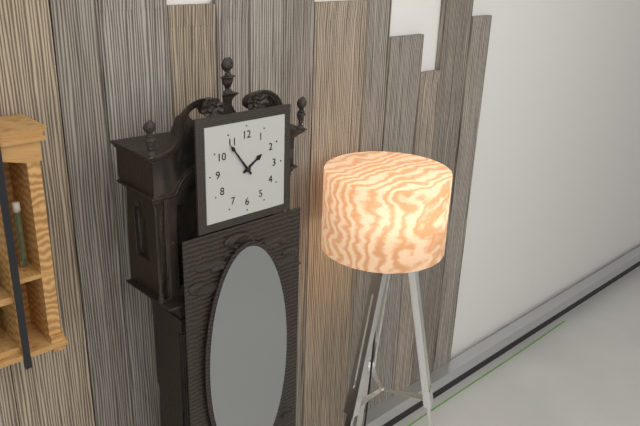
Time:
1:54
